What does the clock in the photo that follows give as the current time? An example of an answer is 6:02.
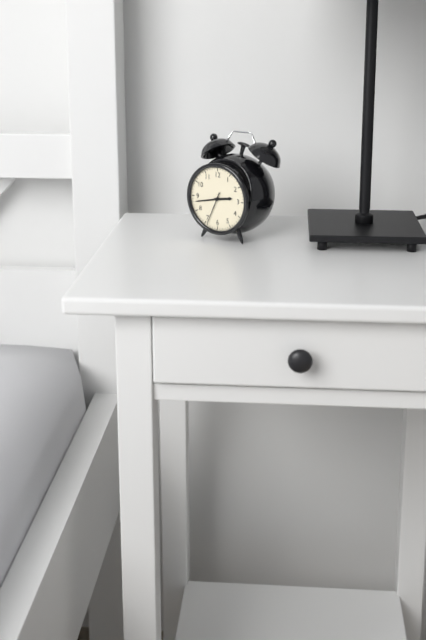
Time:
2:43
